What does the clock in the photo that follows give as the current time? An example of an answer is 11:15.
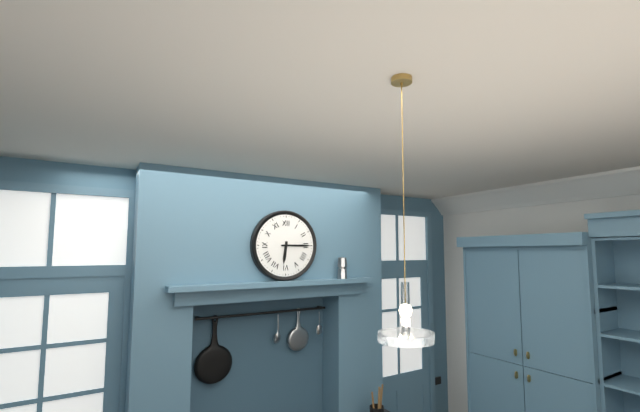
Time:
6:15
